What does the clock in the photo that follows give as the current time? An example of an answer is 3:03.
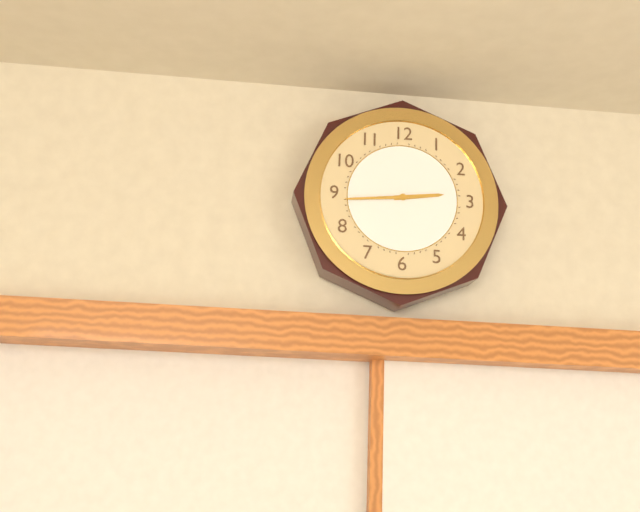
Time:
2:44
